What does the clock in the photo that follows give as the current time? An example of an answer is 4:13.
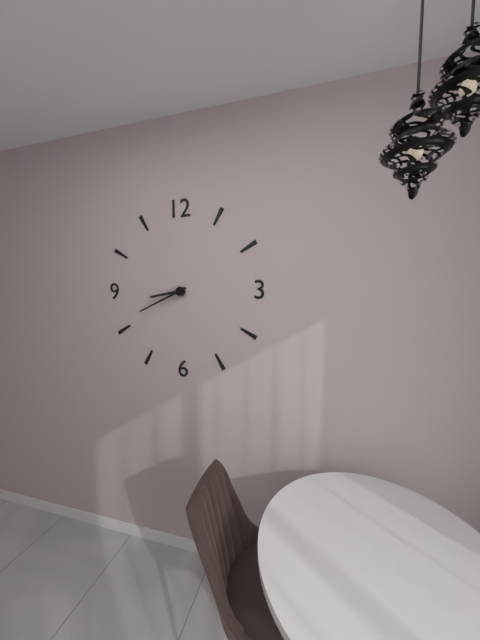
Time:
8:41
